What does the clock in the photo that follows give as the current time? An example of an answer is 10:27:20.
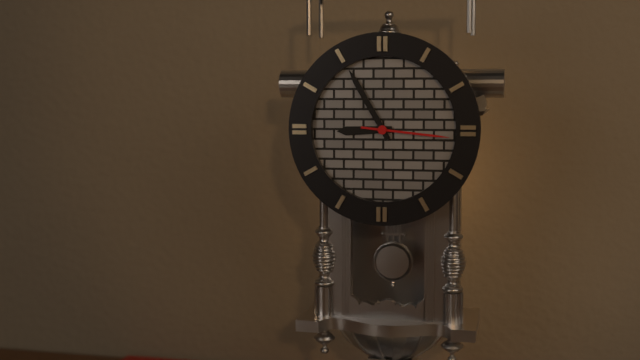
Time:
8:55:16
